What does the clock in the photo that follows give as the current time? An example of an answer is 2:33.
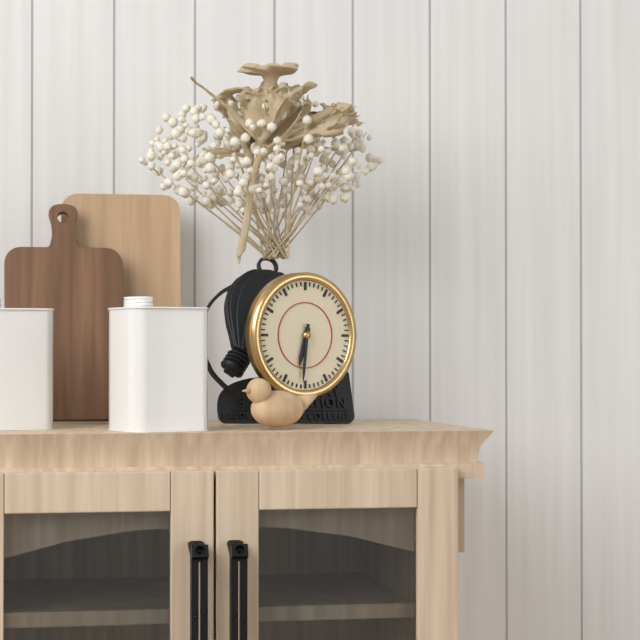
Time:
6:31
